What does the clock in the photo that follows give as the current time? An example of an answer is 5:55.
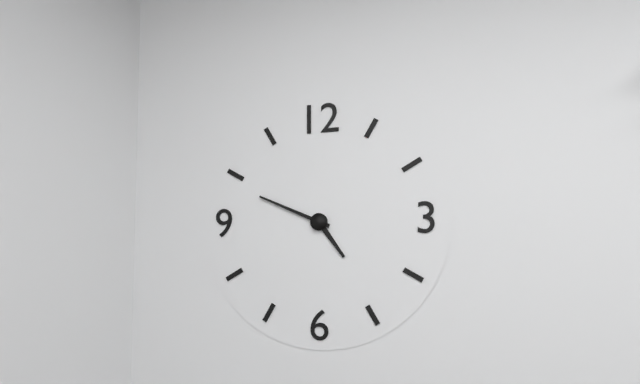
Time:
4:49
